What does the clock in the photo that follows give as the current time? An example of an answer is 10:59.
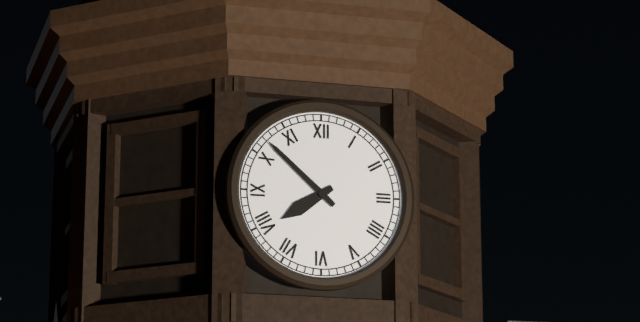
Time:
7:52
